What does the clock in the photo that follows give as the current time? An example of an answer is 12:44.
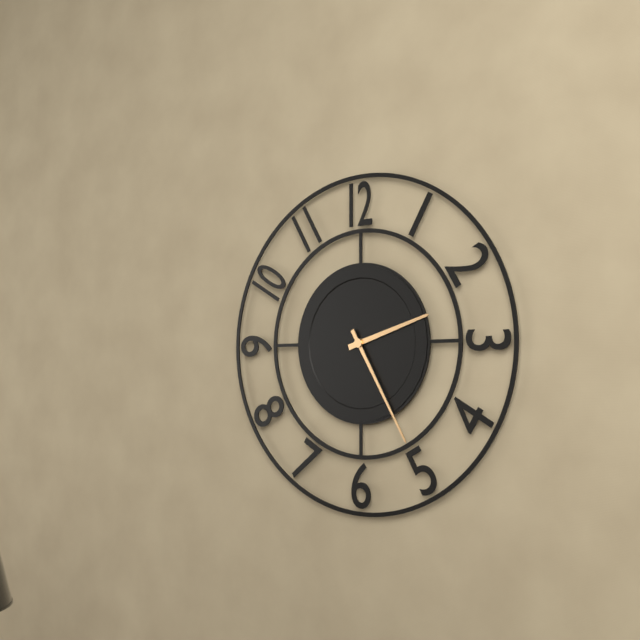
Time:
2:25
